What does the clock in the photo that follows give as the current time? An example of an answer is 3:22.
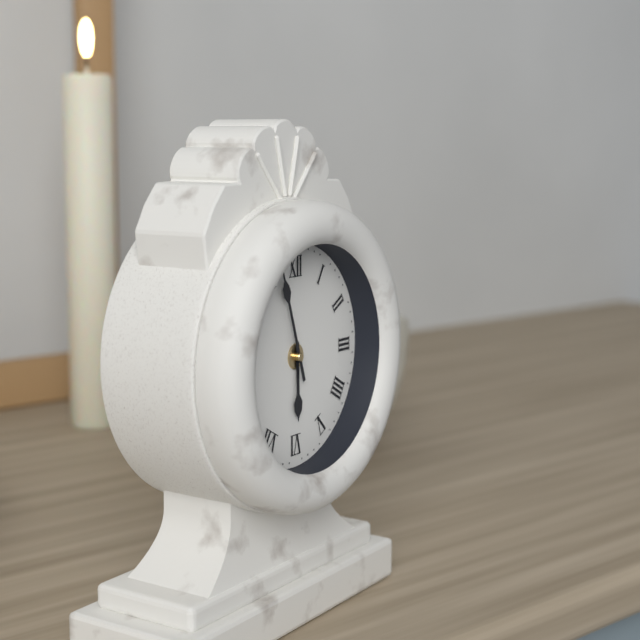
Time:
5:57
